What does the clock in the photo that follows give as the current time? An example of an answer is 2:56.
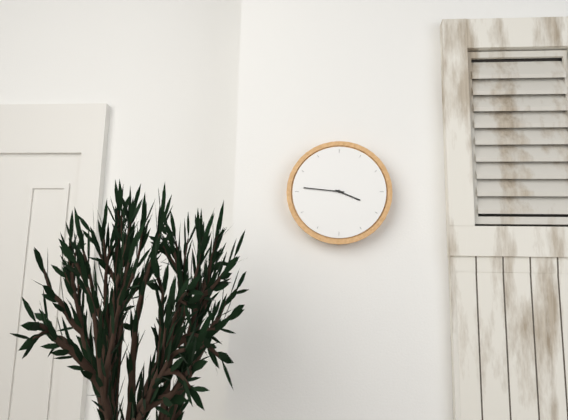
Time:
3:46
